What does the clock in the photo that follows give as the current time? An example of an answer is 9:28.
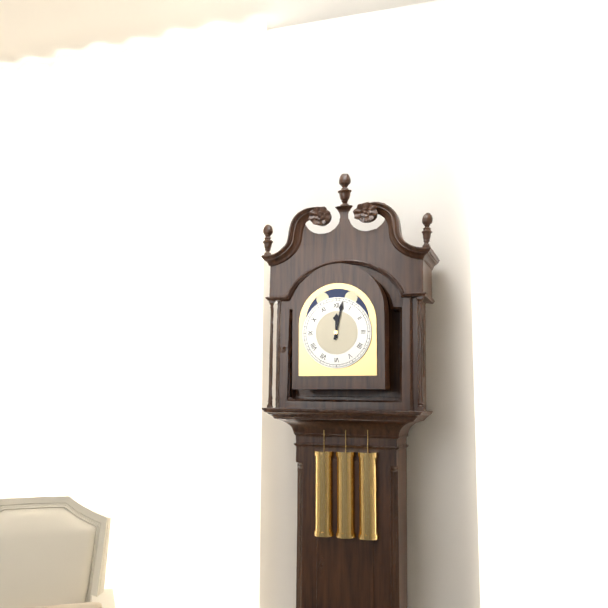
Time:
12:02
